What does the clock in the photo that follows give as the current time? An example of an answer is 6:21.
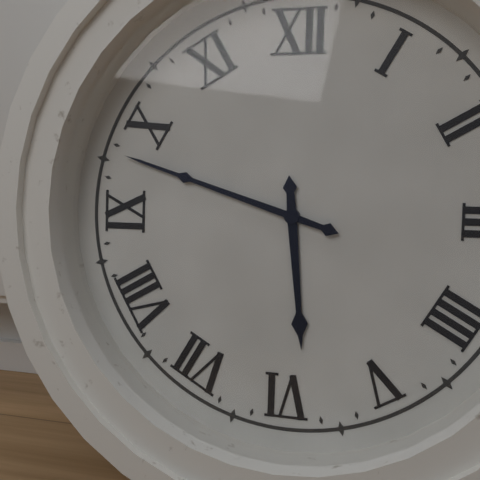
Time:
5:48
